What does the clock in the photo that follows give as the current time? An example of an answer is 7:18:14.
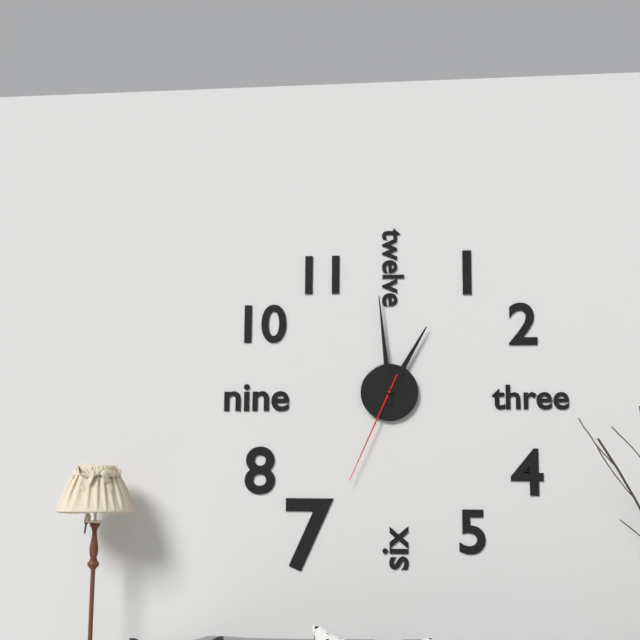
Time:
12:59:34
